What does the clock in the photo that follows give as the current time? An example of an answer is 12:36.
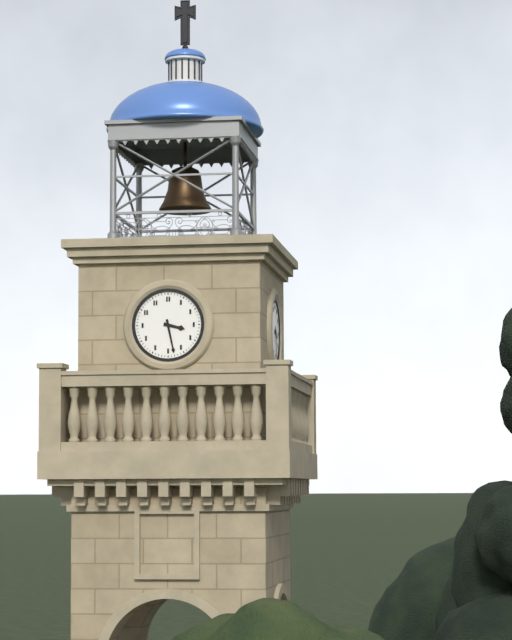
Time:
3:28
